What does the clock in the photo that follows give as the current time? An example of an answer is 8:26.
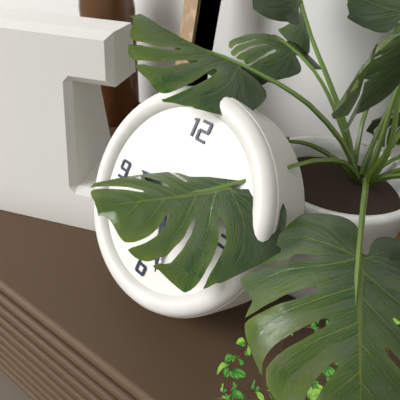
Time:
9:27
